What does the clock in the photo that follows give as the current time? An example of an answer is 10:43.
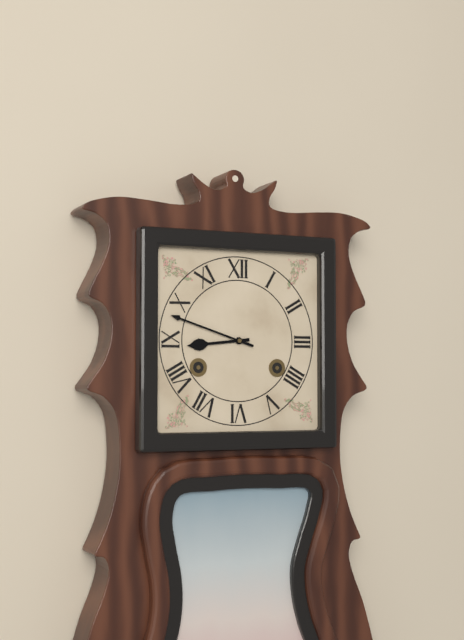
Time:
8:48
